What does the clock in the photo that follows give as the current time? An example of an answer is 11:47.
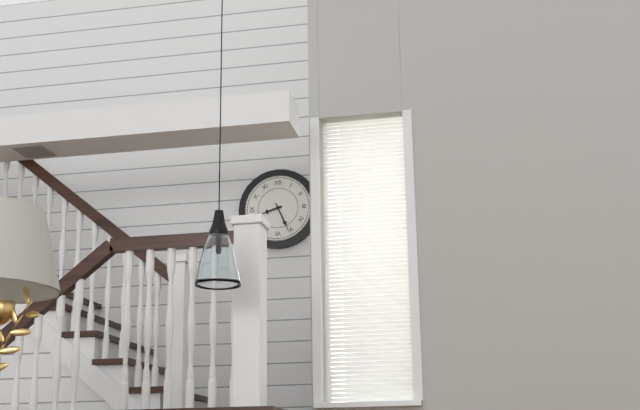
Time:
8:26
